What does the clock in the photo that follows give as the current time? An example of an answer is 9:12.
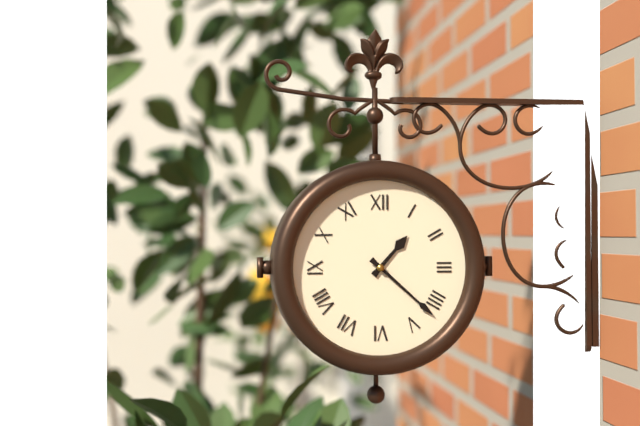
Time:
1:22
